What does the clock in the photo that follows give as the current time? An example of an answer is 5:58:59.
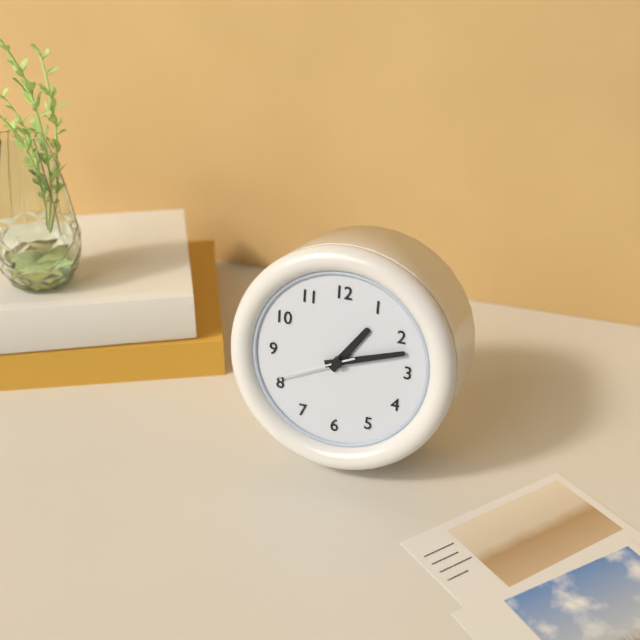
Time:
1:12:41
